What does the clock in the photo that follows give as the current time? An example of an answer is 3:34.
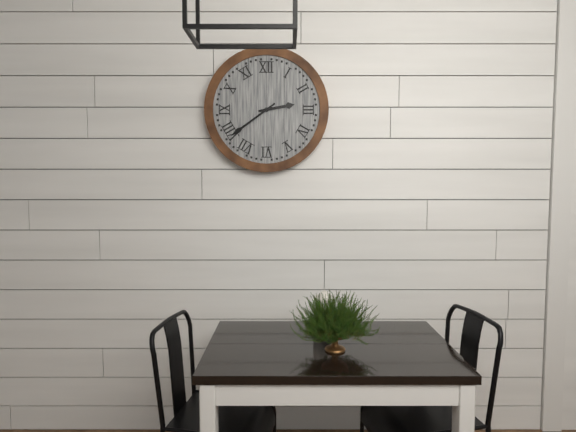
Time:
2:39
